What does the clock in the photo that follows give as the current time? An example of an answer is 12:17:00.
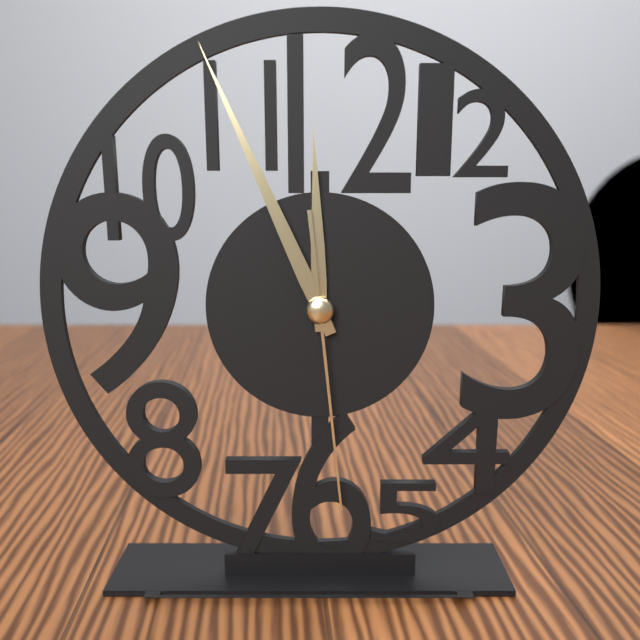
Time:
11:56:29
